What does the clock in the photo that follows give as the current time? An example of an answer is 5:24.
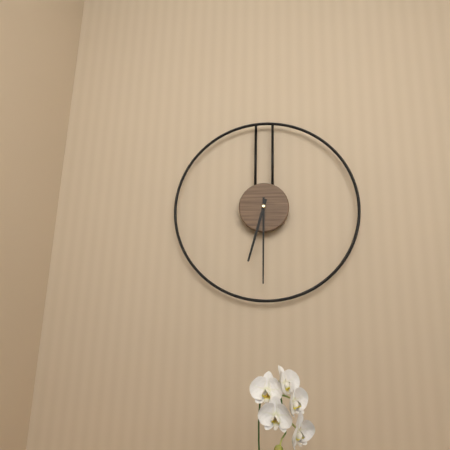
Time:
6:30
